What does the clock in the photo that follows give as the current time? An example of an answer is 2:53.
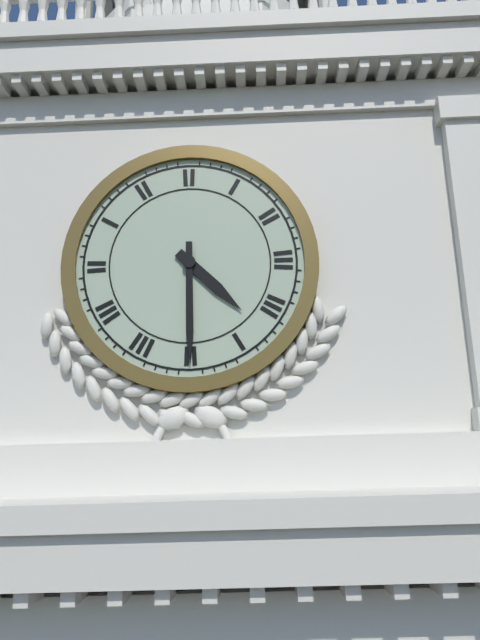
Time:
4:30
